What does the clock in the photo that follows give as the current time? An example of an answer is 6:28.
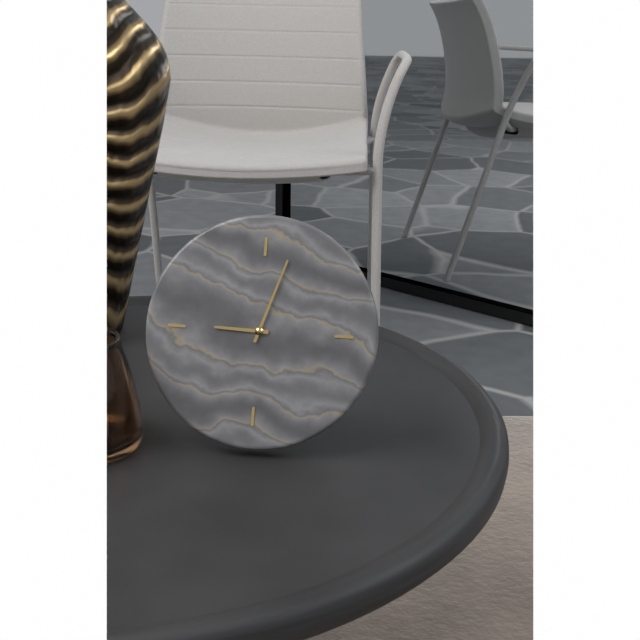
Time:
9:03
